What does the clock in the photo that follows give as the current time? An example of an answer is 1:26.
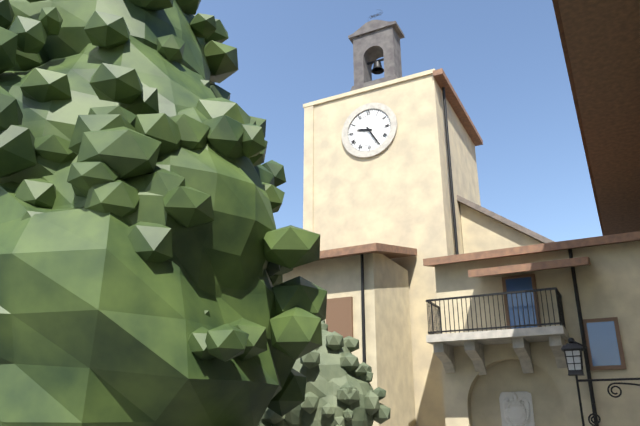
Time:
9:25
